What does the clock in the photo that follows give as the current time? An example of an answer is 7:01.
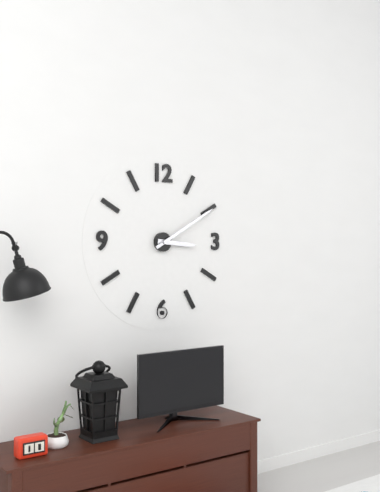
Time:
3:10
